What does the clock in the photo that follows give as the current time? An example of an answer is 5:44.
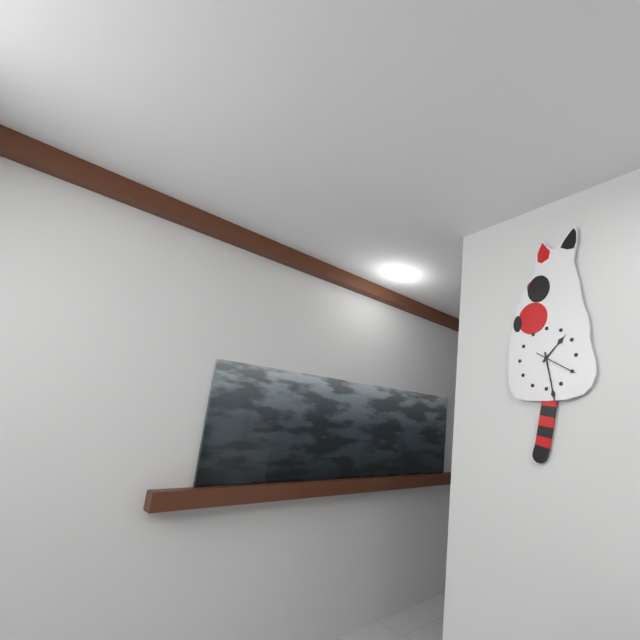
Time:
1:28
